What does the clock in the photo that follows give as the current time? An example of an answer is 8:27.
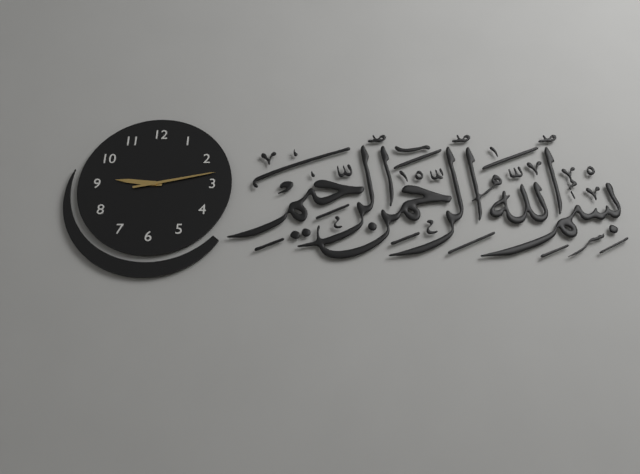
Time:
9:13
